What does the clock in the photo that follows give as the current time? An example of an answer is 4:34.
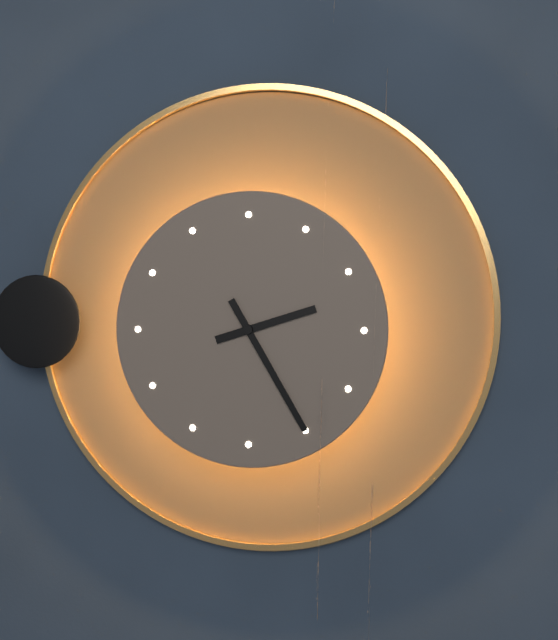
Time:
2:25
